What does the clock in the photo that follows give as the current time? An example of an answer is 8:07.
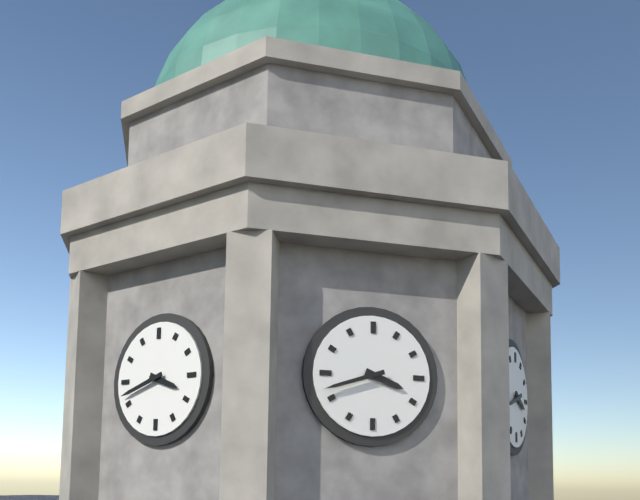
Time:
3:42
